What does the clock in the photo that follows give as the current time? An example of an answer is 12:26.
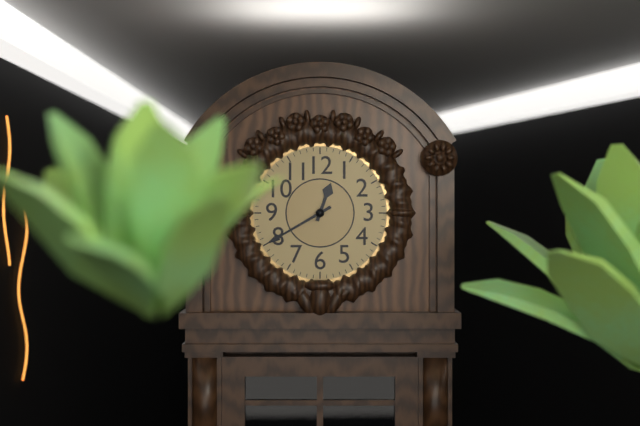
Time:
12:40
